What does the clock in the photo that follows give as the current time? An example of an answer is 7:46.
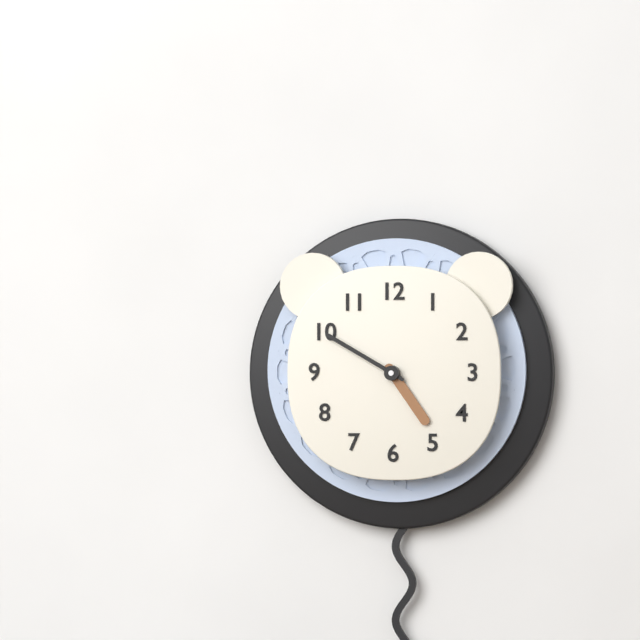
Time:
4:50
